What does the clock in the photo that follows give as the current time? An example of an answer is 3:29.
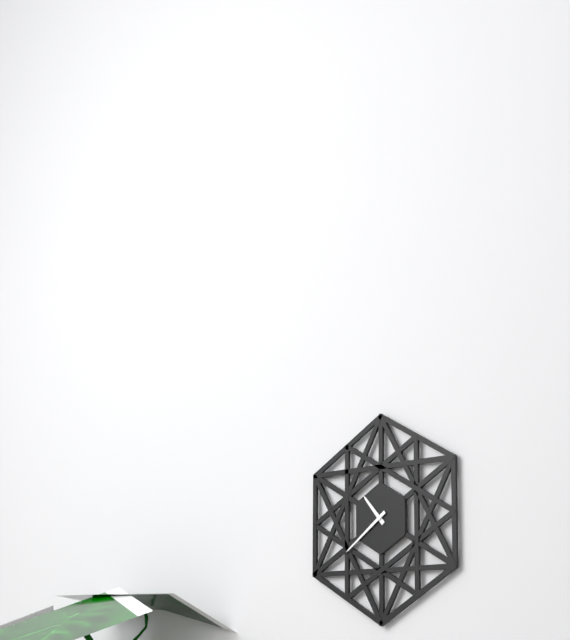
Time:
10:39
